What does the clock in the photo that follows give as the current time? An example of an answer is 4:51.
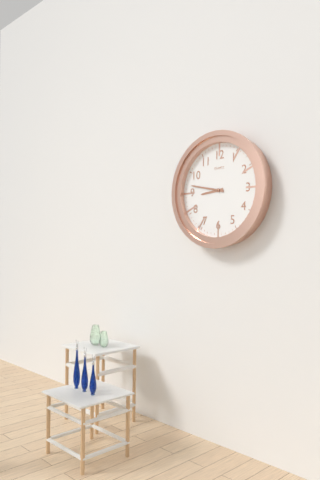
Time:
8:47
